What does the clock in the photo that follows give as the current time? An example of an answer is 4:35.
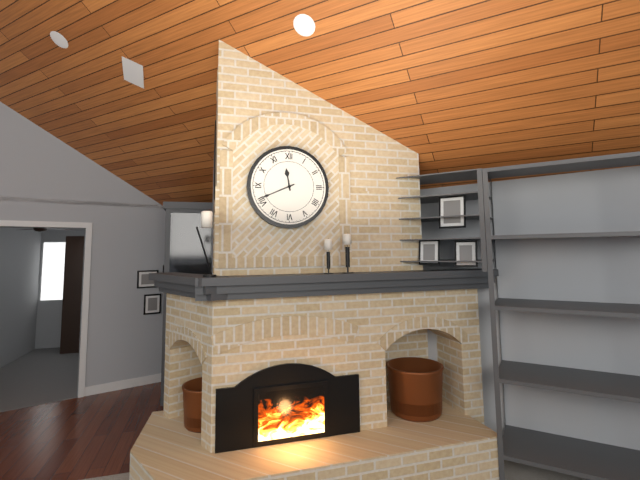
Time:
11:41
